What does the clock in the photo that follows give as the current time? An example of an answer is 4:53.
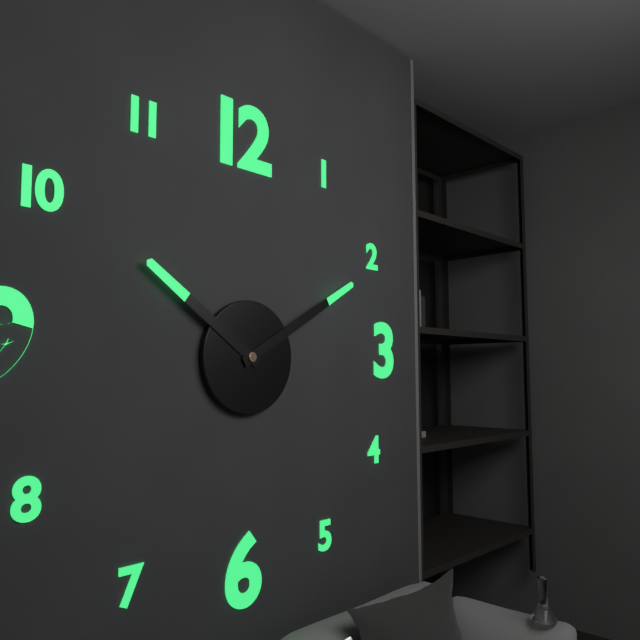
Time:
10:10
